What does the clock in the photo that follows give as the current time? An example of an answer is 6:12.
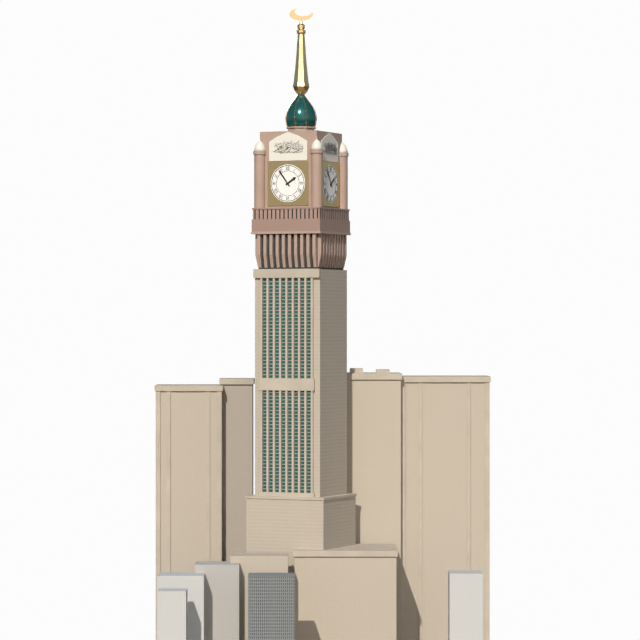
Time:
1:54
